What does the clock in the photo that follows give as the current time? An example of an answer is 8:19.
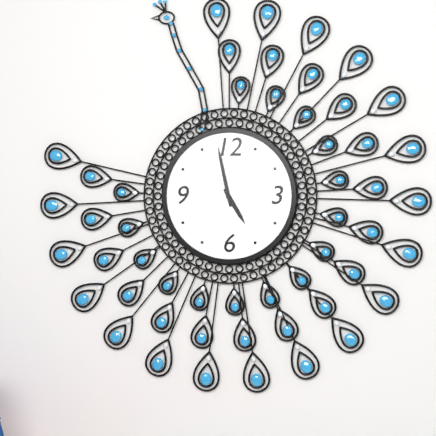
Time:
4:58
